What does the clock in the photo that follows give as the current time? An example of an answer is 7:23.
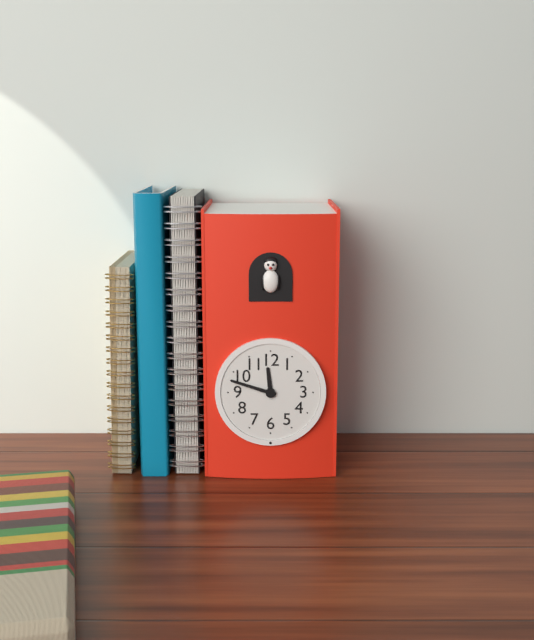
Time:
11:48
